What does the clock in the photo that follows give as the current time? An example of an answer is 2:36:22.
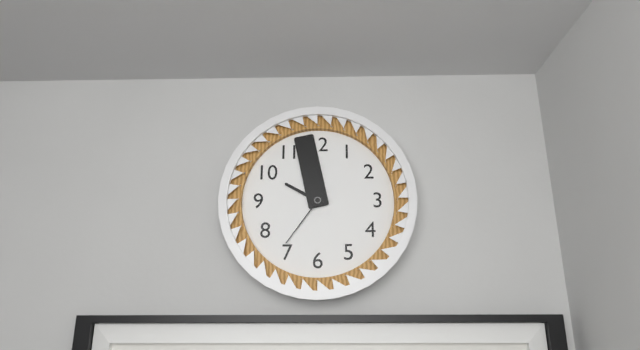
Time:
9:58:36
